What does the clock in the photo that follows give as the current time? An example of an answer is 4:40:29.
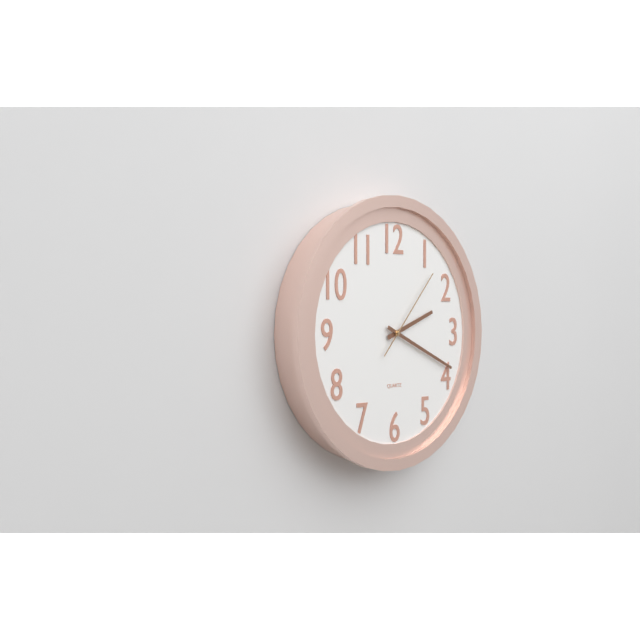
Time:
2:19:07
